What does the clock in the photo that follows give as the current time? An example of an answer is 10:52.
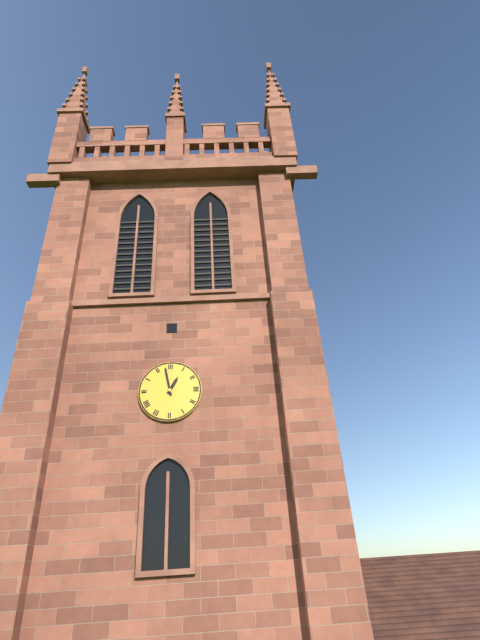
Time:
12:58
